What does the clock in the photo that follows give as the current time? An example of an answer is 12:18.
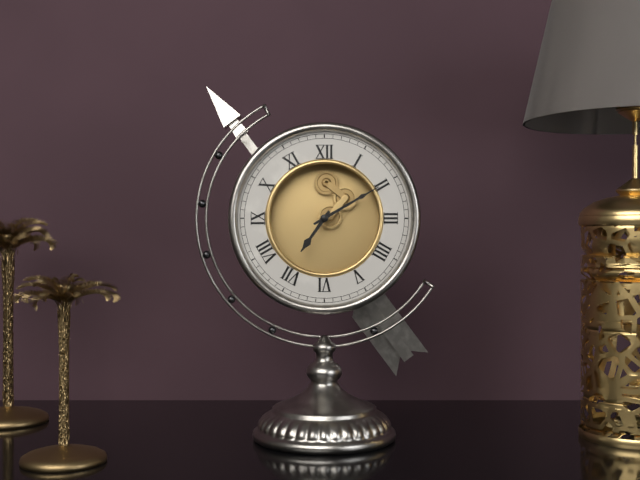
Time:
7:10
